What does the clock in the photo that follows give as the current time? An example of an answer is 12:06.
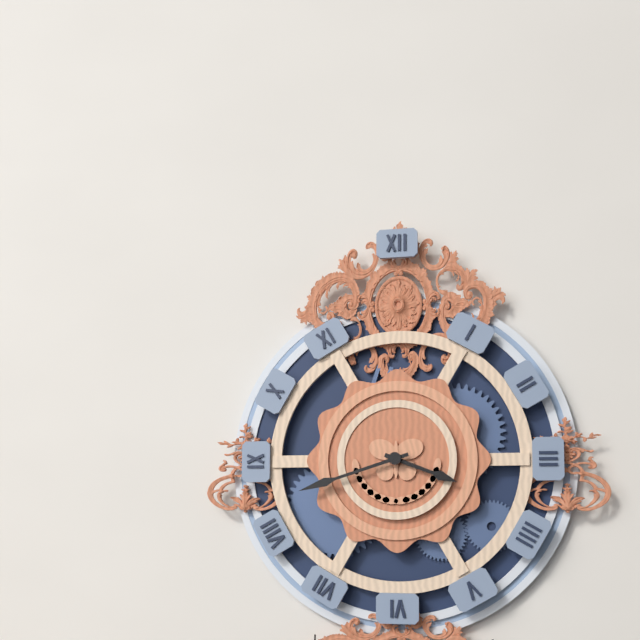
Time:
3:42
